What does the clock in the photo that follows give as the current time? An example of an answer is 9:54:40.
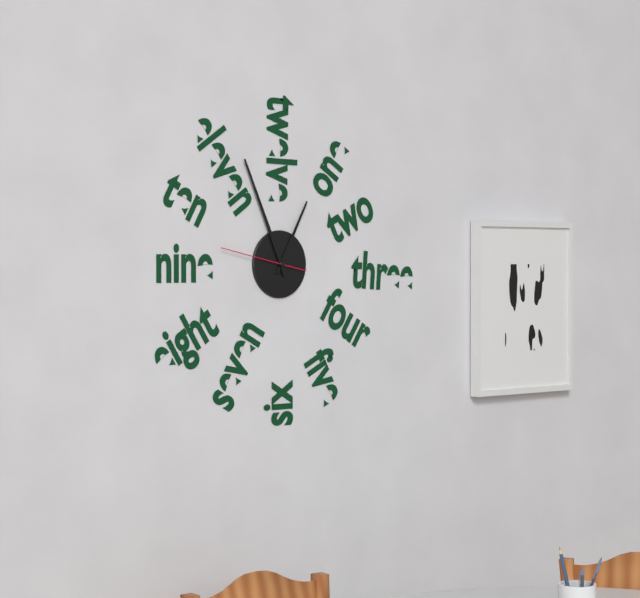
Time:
12:56:47
